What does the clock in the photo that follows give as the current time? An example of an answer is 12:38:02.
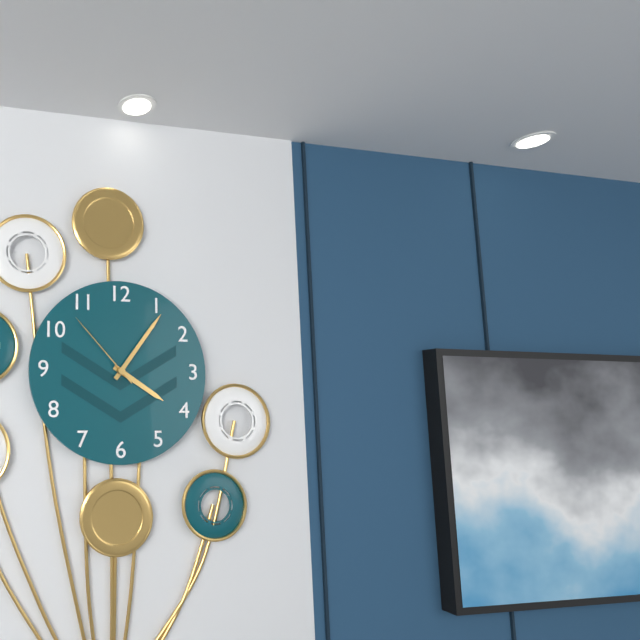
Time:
4:06:53
